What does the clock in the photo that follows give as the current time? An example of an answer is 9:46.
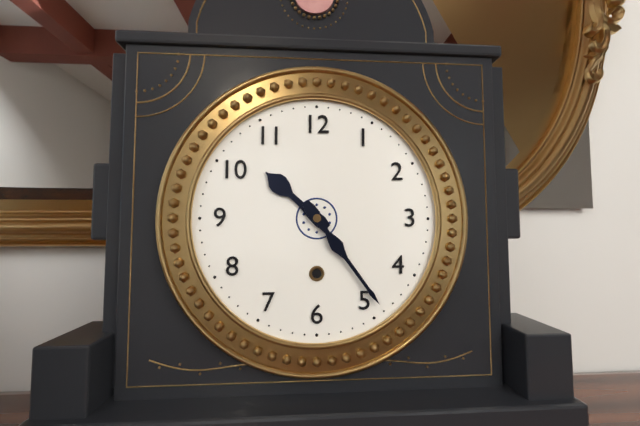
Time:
10:24
